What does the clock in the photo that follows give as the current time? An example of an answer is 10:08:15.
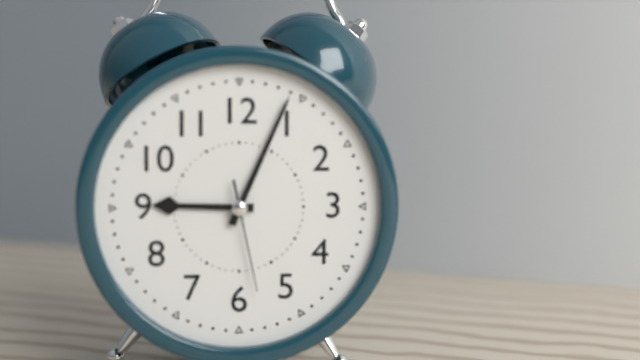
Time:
9:04:28
